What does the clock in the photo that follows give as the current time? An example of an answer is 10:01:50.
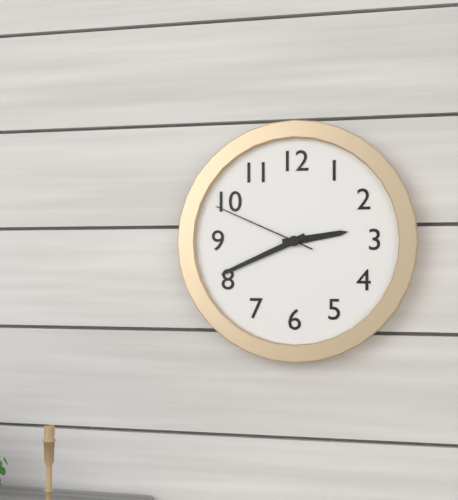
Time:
2:41:49
